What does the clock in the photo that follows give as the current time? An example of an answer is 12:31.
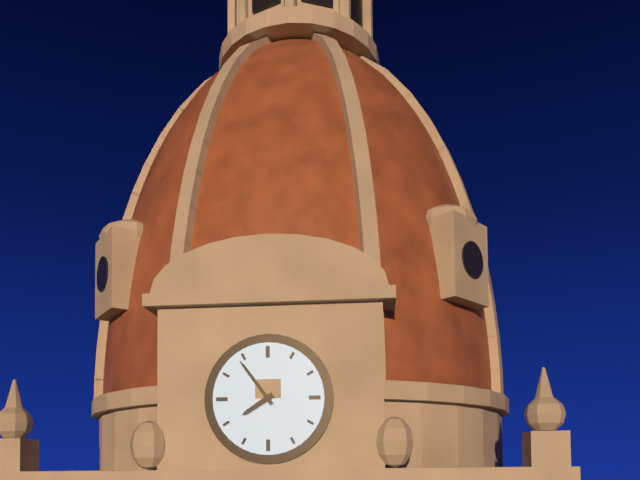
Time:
7:54
